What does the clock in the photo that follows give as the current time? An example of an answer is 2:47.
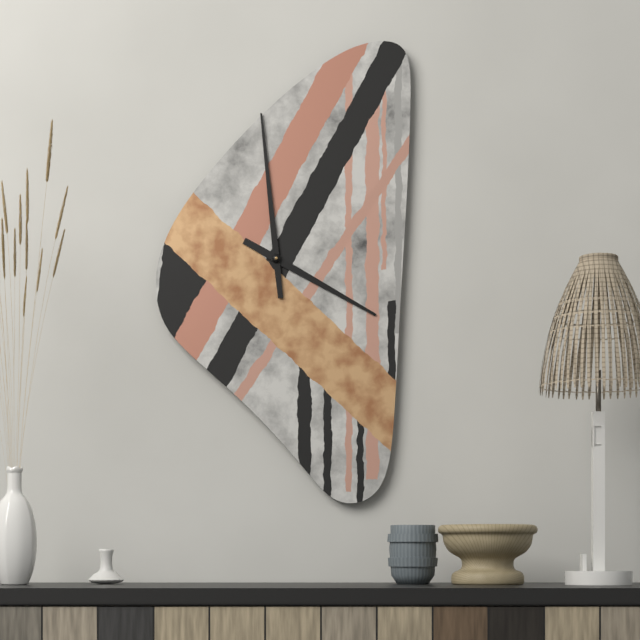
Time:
3:59
